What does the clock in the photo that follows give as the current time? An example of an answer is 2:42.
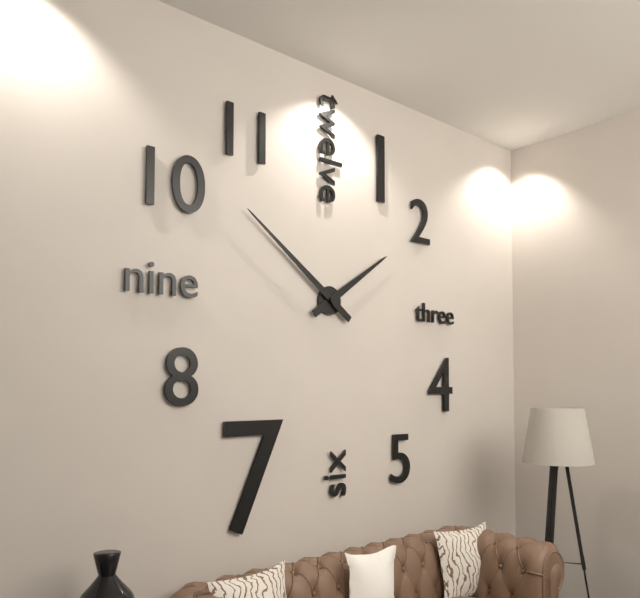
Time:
1:51
